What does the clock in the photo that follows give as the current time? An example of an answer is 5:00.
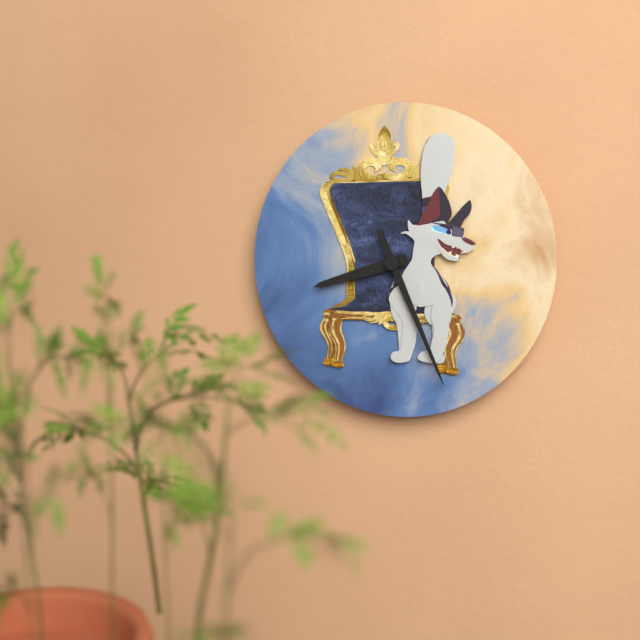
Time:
8:26
